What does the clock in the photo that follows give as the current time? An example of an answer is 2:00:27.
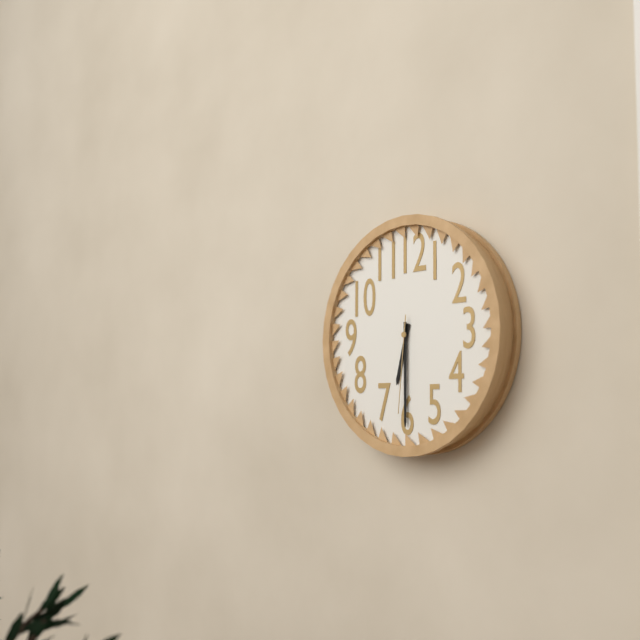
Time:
6:30:31
